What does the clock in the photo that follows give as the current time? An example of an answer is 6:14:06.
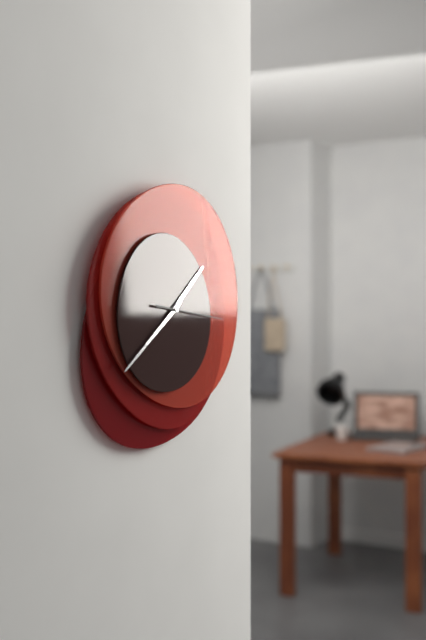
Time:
1:39:16
